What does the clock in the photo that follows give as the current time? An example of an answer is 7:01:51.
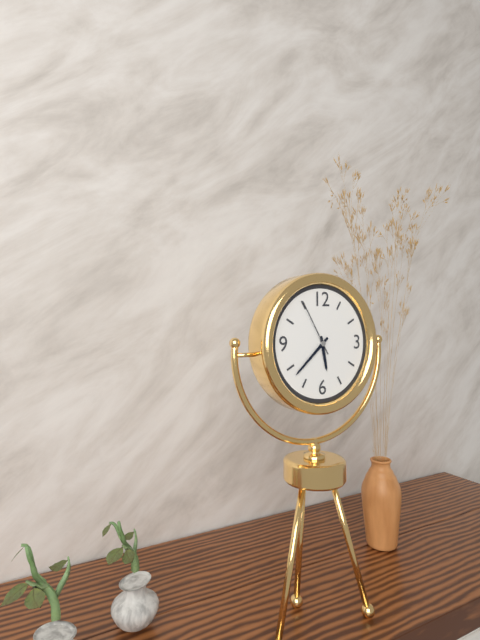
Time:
5:38:55
